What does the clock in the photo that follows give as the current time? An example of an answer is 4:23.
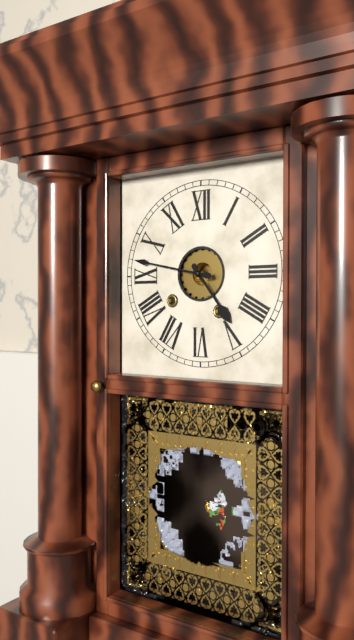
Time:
4:47
